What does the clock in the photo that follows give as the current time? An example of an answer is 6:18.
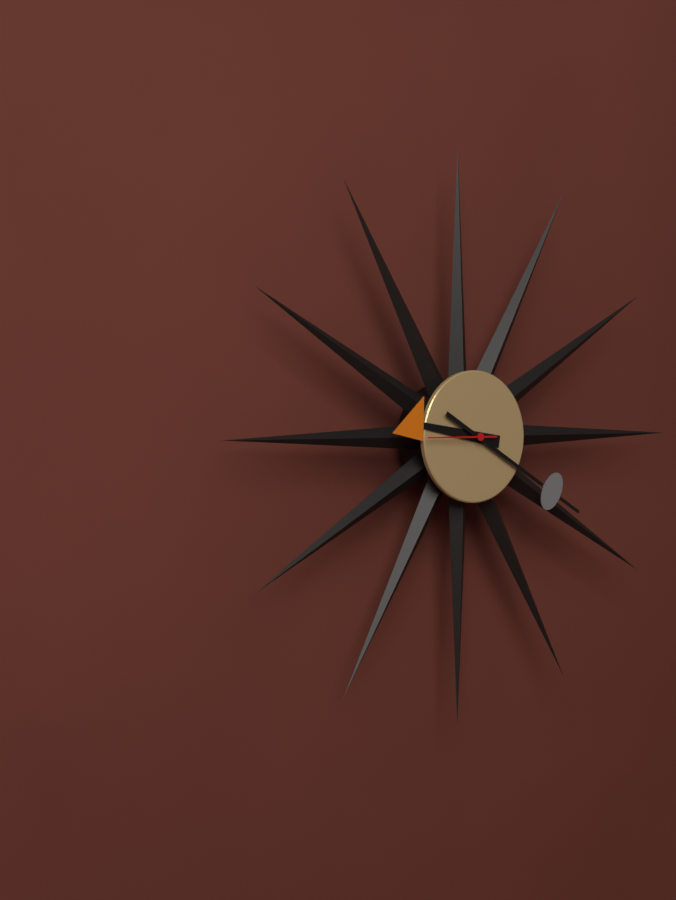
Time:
9:20
